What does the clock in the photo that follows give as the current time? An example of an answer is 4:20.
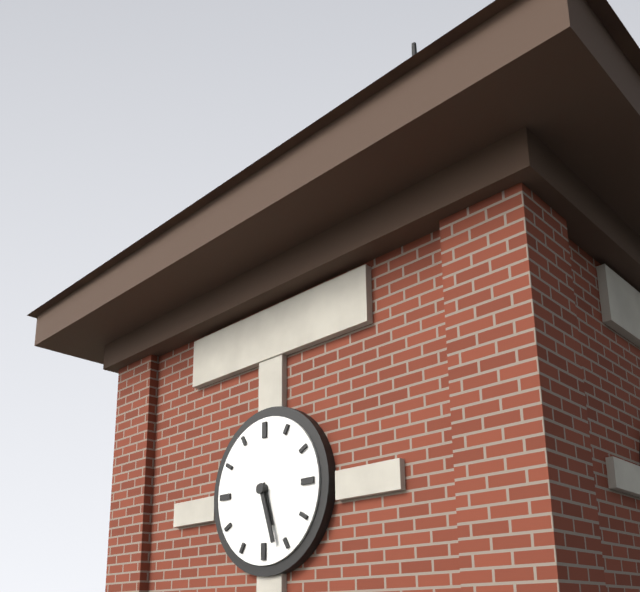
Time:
5:27
